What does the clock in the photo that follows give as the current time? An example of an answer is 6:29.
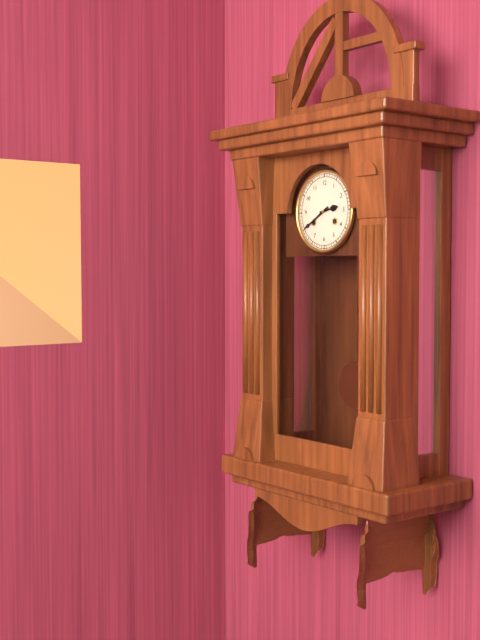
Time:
2:40
